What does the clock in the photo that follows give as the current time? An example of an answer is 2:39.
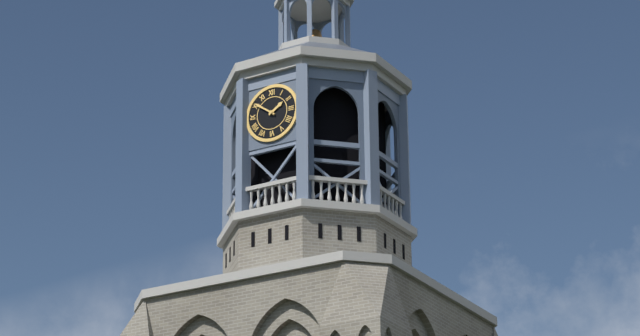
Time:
1:51
